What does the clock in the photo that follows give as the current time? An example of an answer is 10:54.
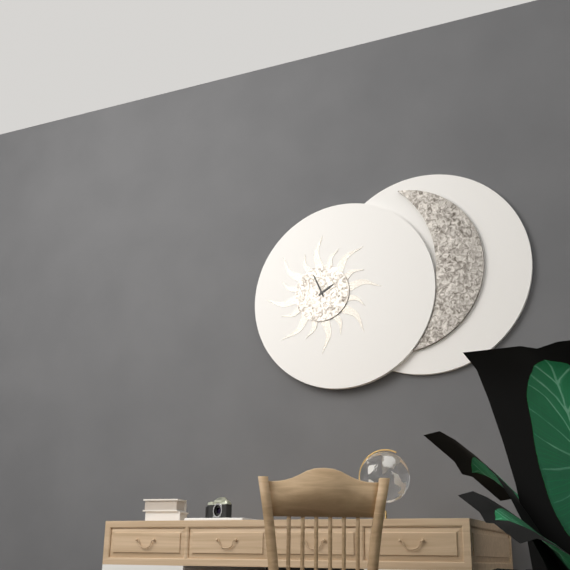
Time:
1:56
